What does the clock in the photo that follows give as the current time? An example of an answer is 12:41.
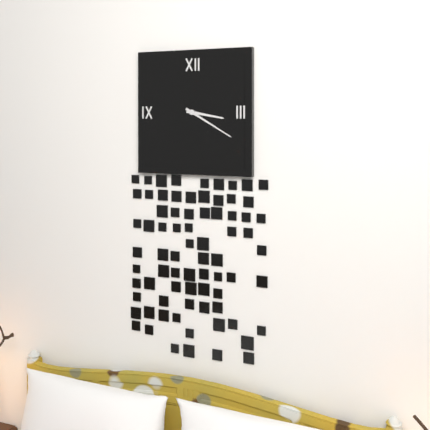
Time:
3:20
